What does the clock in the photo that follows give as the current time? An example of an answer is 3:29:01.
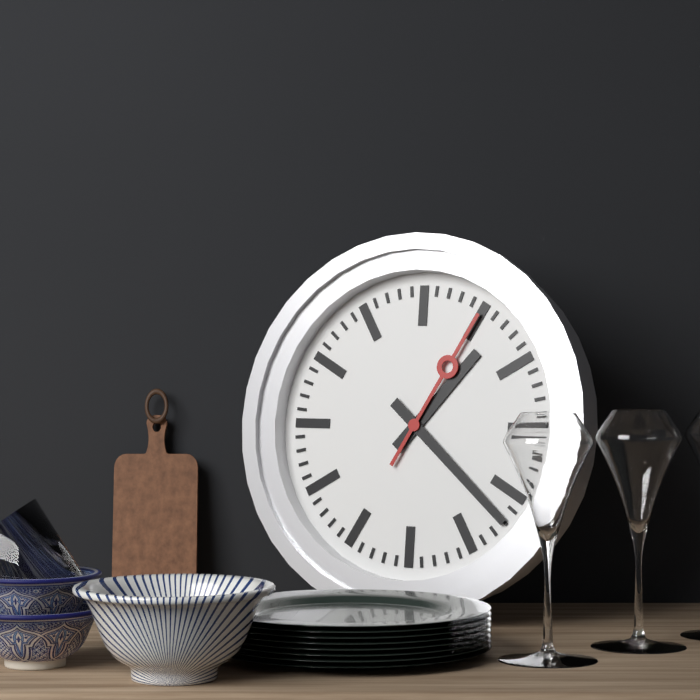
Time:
1:22:05
